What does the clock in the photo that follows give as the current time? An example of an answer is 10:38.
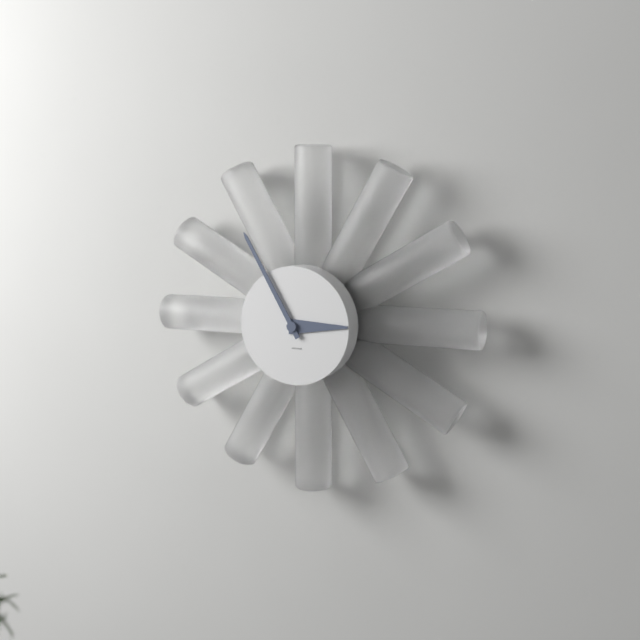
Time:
2:55
